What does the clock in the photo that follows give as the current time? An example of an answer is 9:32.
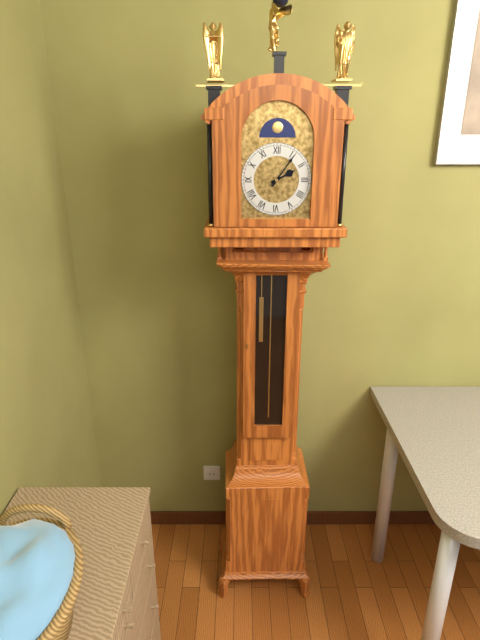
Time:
2:06
